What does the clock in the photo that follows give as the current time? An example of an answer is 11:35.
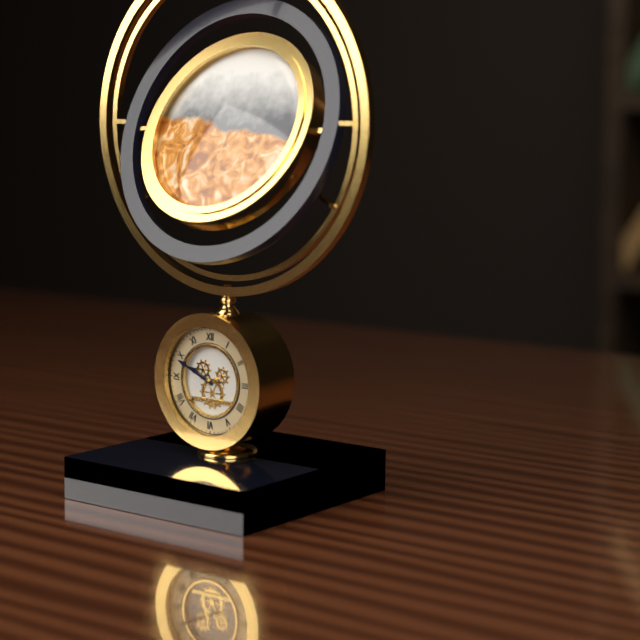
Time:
9:49
